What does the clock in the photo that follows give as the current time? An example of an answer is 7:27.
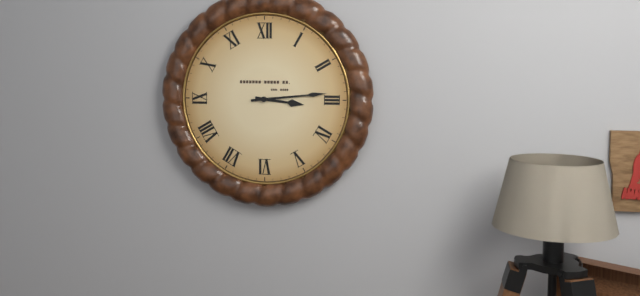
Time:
3:14
